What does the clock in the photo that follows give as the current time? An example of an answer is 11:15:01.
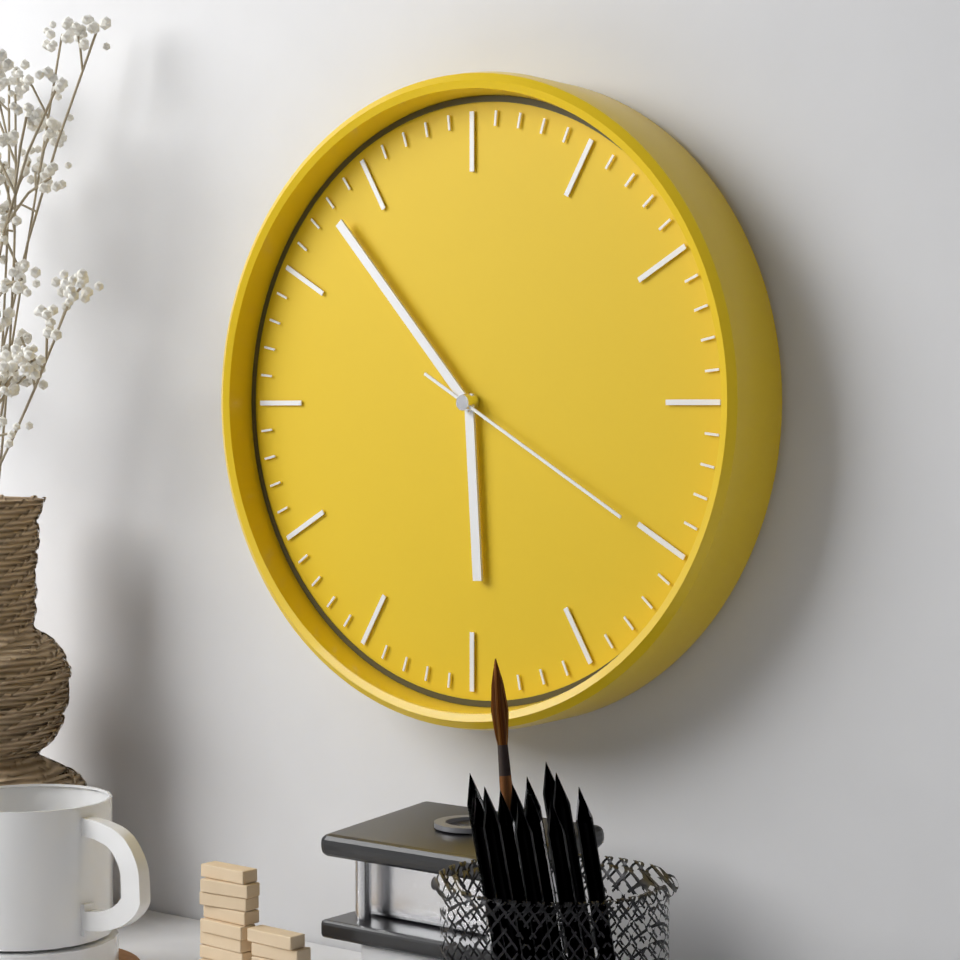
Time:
5:53:20
